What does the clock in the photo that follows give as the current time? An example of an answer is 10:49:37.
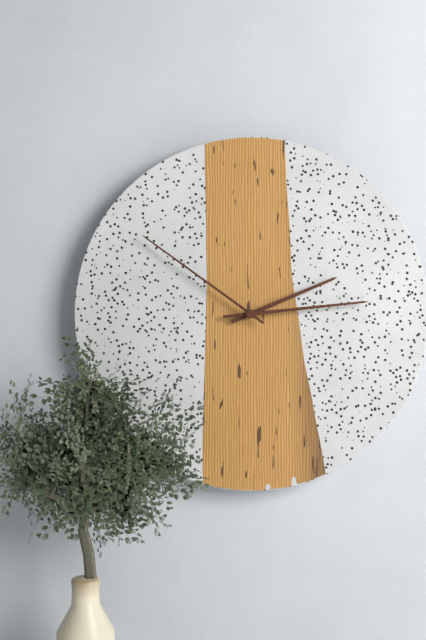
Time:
2:14:51
